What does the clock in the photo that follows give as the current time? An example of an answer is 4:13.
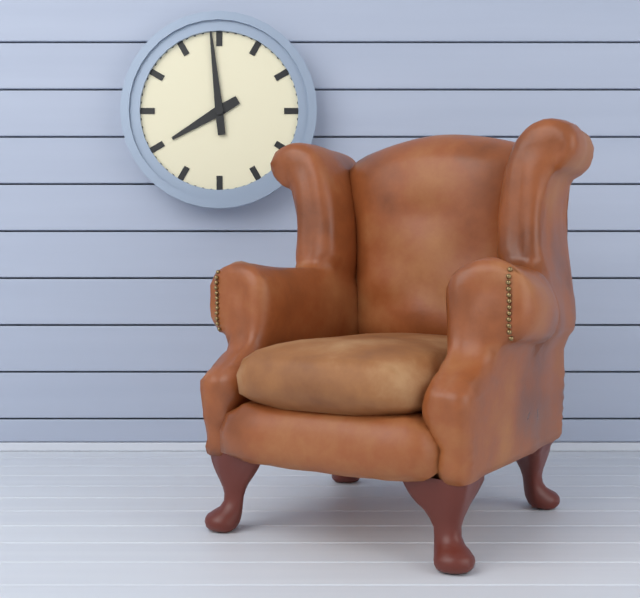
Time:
7:59
